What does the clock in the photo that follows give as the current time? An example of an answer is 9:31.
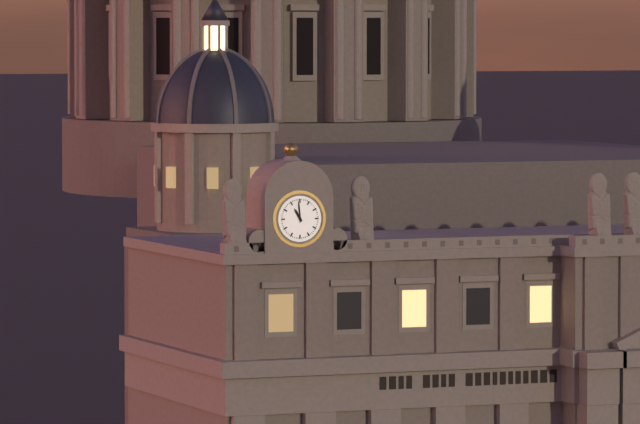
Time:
10:59
